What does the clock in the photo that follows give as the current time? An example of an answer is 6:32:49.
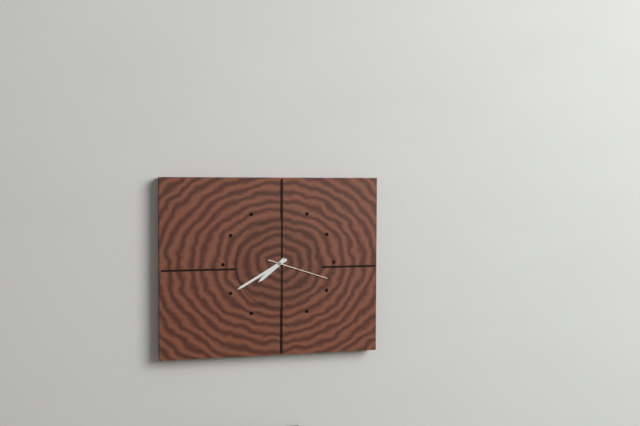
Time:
7:40:18
